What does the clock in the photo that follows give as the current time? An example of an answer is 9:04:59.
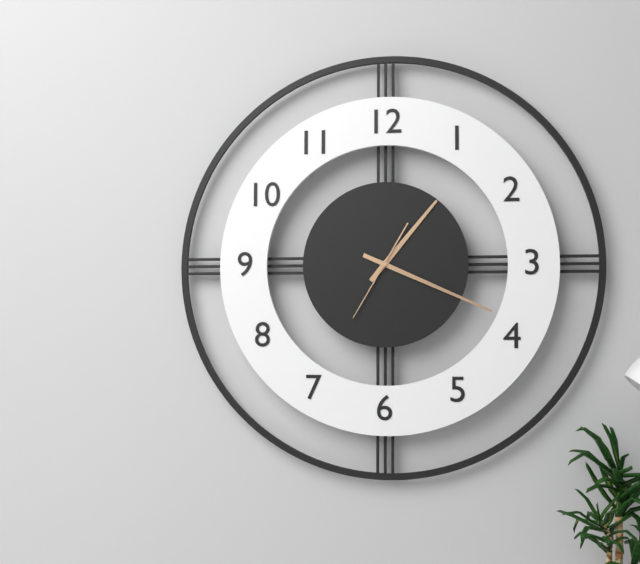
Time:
1:19:35
